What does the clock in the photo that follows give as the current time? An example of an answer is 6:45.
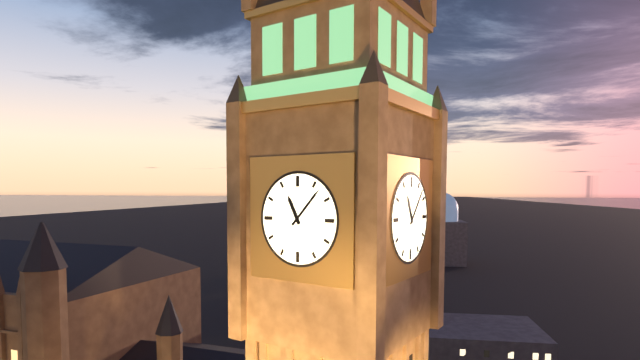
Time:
11:07
